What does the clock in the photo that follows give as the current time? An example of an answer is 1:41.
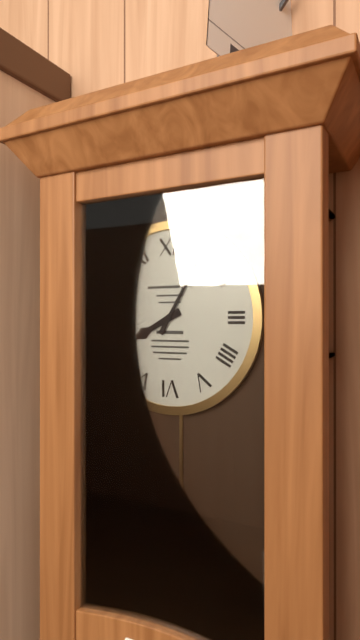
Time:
8:05
